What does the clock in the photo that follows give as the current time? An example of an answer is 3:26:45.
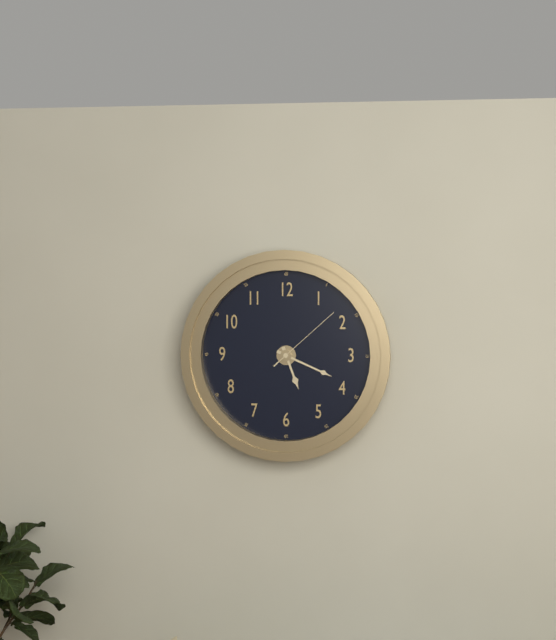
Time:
5:19:08
